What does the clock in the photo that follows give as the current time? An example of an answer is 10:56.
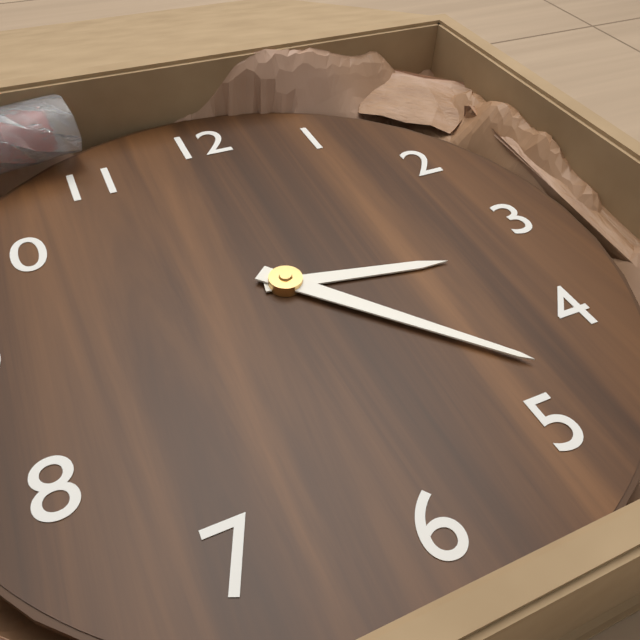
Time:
3:23
